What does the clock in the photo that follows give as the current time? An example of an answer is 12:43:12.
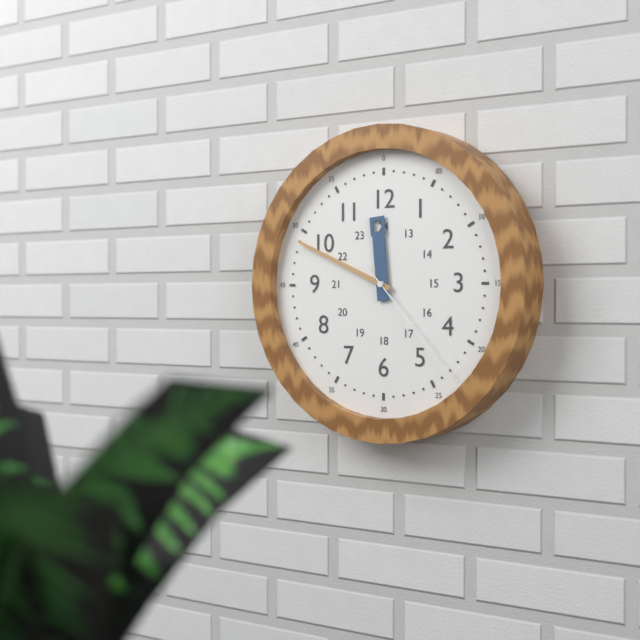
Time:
11:49:23
